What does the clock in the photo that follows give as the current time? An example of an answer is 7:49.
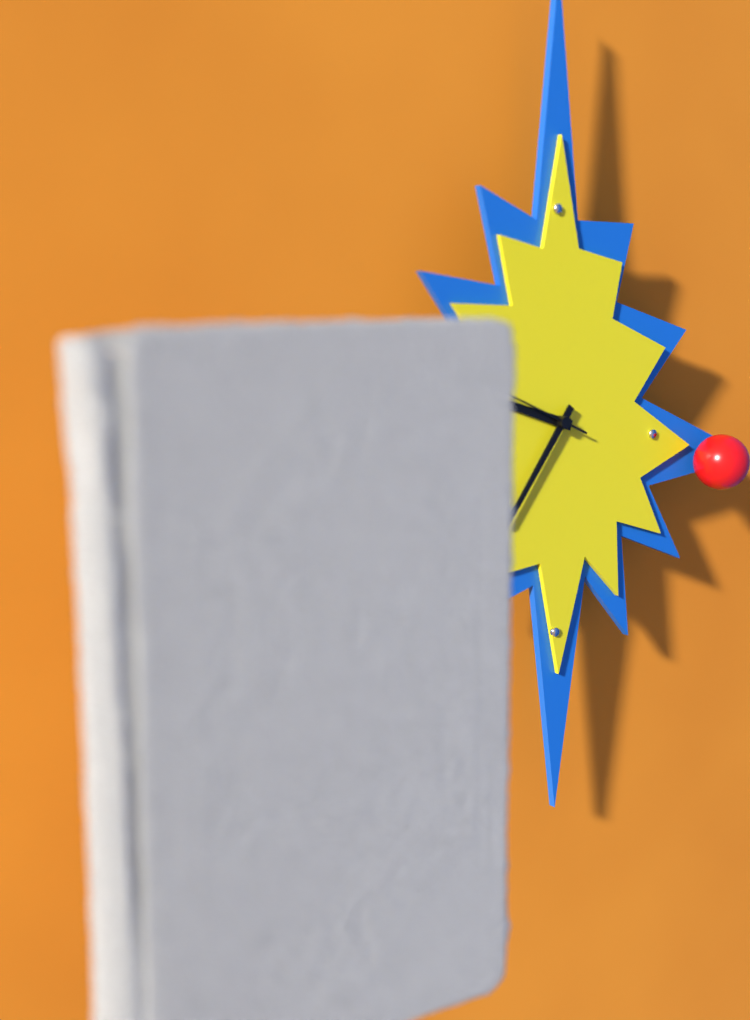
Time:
9:36
